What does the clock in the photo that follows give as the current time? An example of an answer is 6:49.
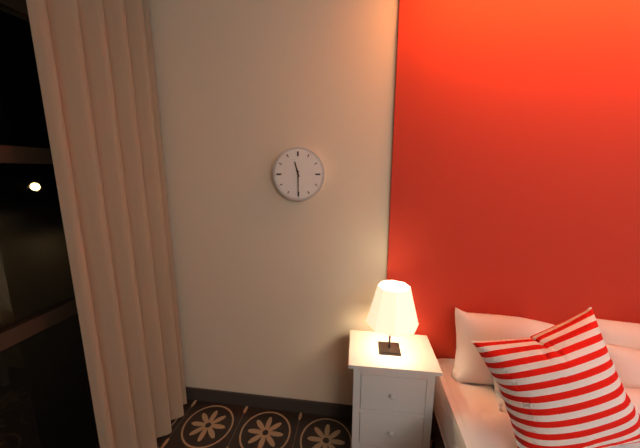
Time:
11:30
